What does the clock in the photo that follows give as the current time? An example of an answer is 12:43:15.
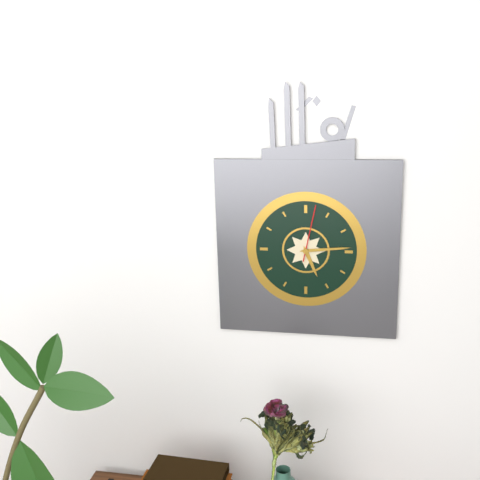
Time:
5:14:02
